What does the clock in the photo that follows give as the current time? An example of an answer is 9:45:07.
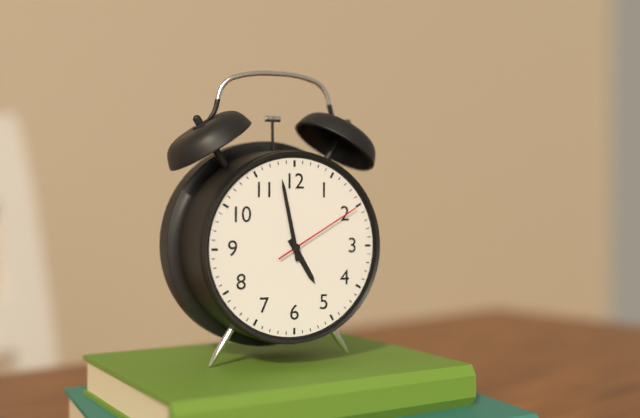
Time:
4:58:10
